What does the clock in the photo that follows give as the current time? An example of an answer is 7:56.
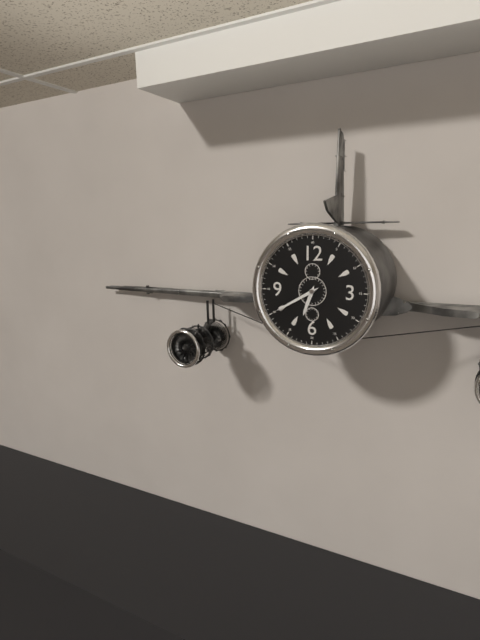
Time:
6:40
